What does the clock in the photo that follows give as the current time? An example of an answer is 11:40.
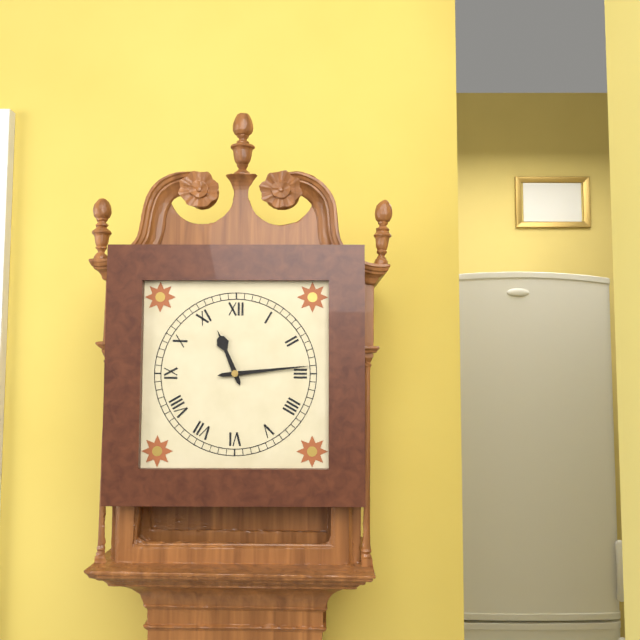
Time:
11:14
